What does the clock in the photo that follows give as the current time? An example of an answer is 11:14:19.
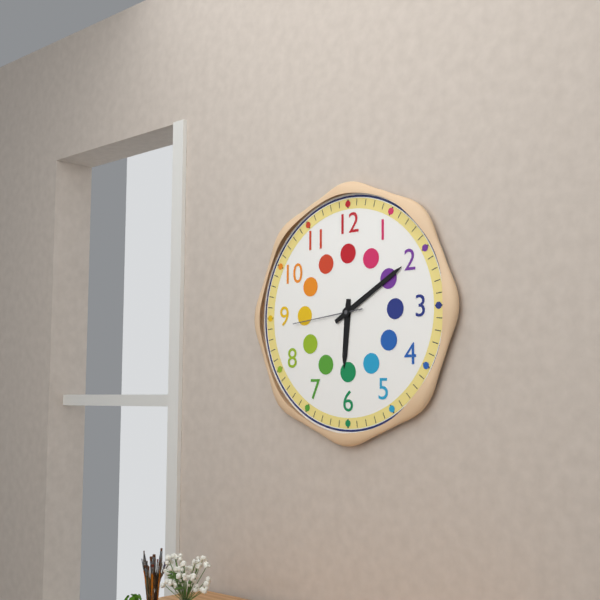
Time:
6:10:44
